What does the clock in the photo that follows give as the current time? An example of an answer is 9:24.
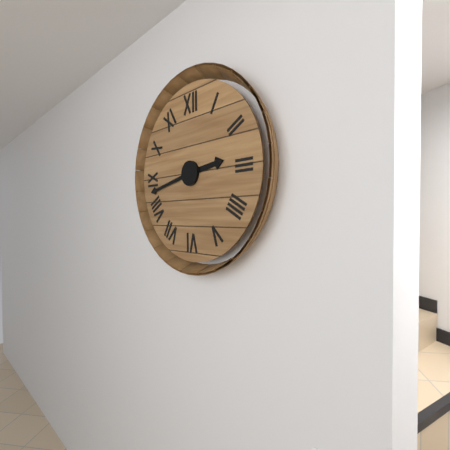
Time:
2:43
